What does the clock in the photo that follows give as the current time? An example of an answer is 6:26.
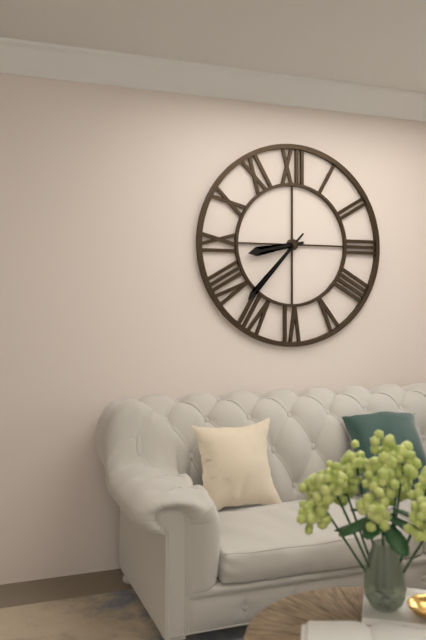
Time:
8:37
